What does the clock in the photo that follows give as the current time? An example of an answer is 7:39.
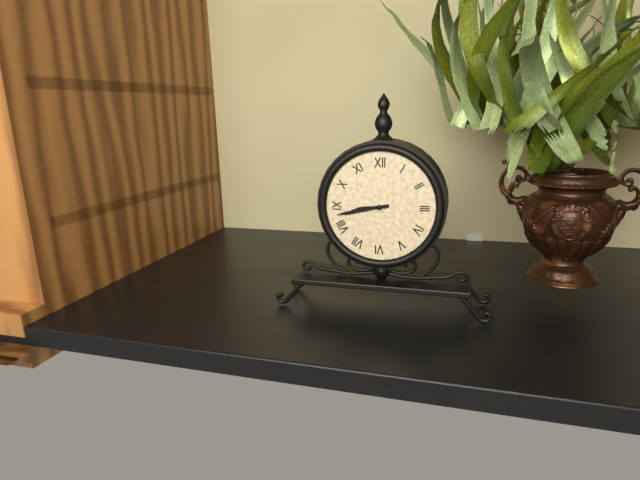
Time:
8:43
